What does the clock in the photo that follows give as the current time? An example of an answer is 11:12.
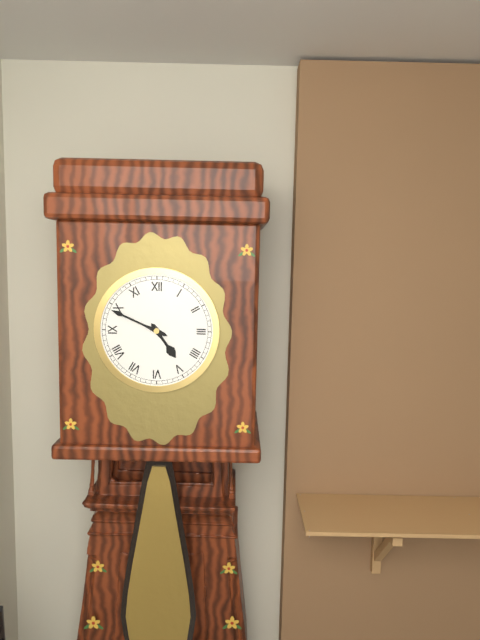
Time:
4:49
